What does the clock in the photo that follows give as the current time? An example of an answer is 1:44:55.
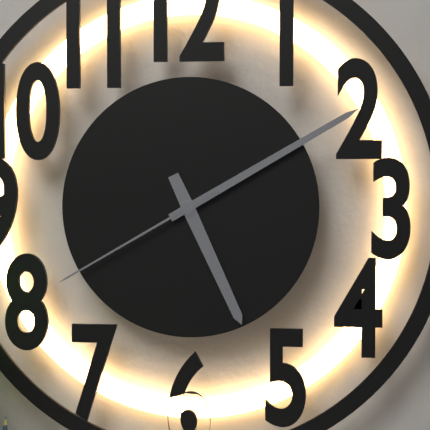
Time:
5:10:40
